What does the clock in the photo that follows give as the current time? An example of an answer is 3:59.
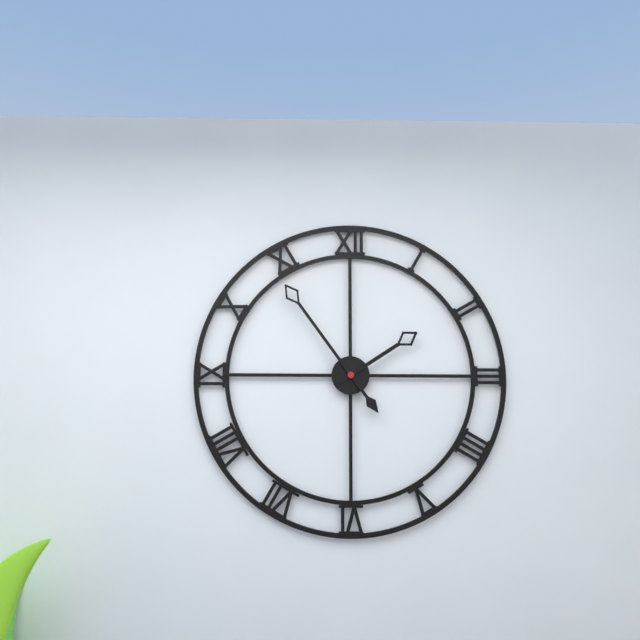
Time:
1:54
